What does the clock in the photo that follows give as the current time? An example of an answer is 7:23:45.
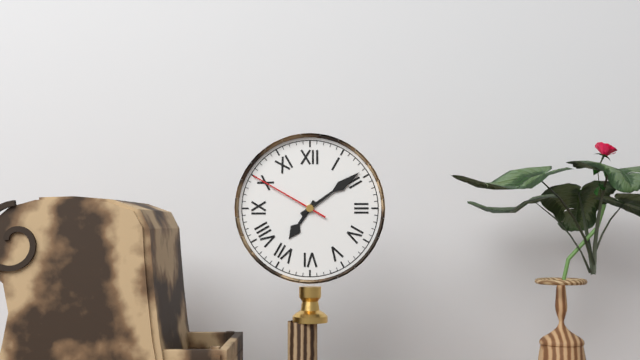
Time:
7:09:50
